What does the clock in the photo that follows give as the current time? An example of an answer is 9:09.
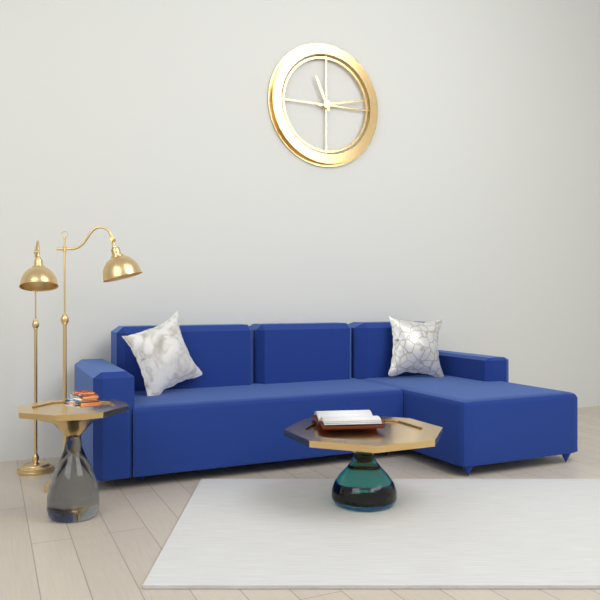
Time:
11:13
